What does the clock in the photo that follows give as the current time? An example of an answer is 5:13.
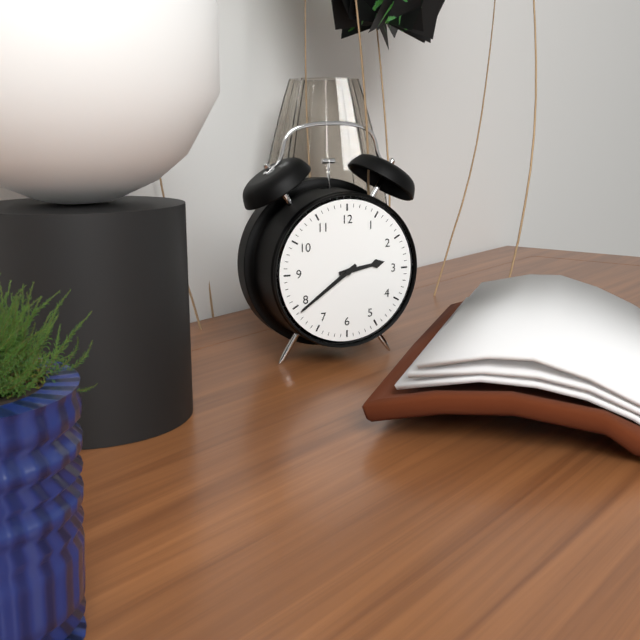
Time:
2:39
